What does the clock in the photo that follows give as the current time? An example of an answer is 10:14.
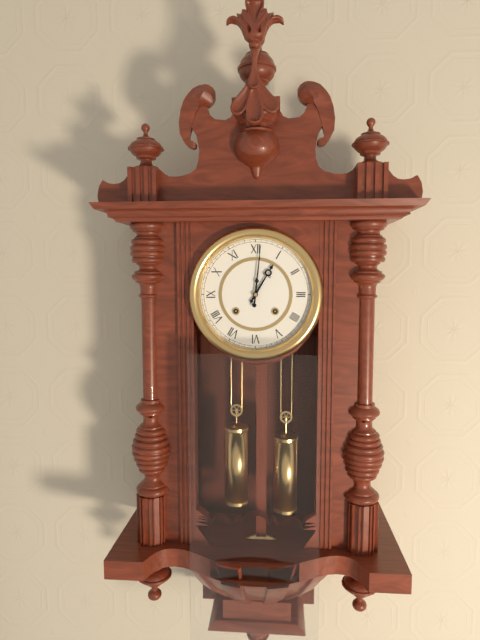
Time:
1:01
